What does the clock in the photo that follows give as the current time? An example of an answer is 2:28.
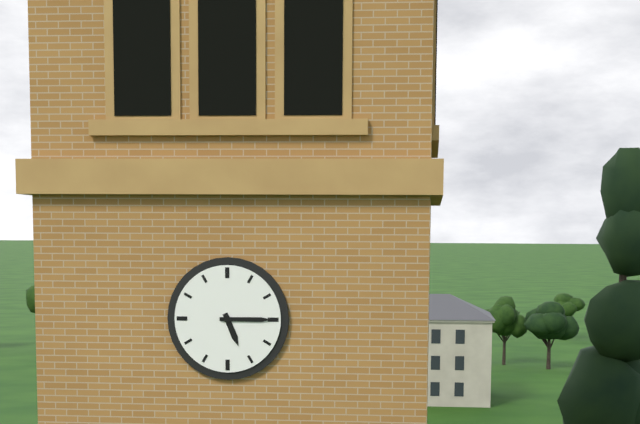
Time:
5:15
